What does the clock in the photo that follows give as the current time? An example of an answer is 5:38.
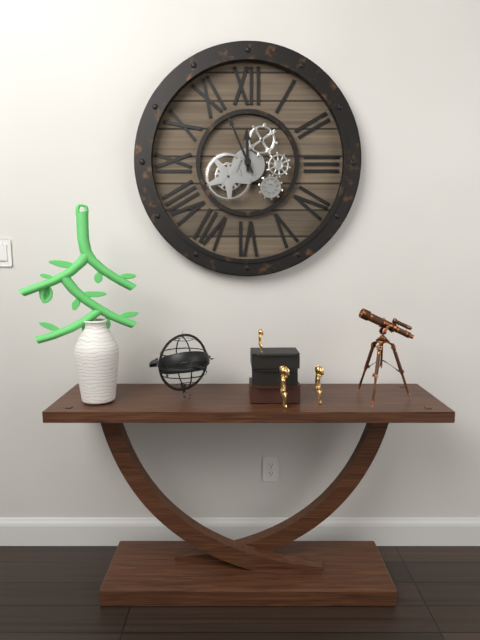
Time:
11:56
